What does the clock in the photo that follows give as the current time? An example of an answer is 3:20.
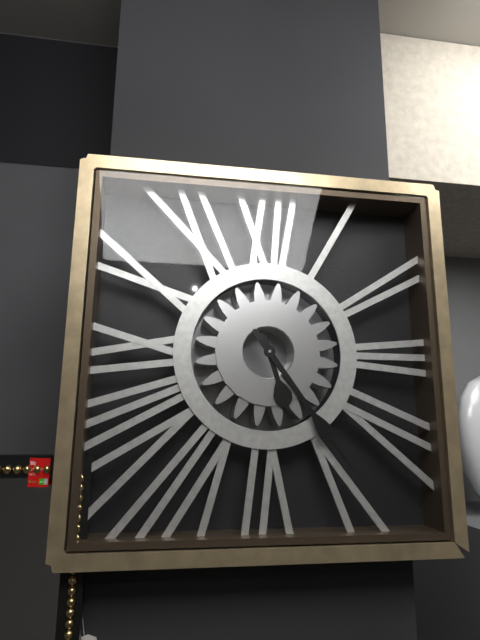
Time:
5:24
